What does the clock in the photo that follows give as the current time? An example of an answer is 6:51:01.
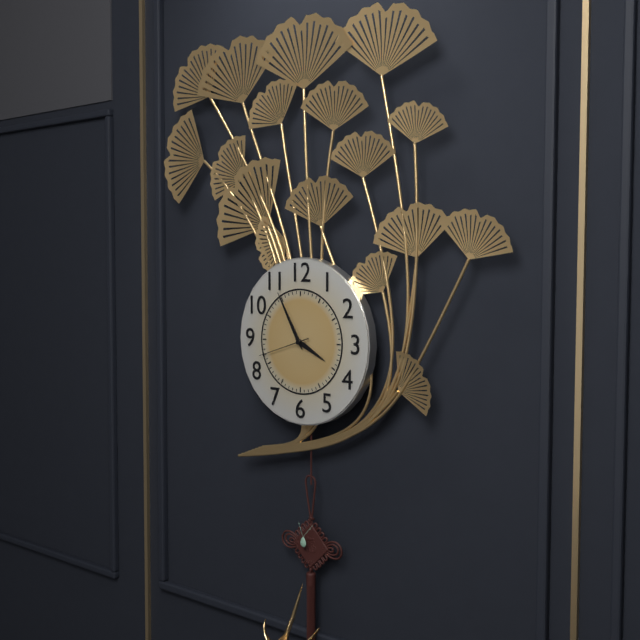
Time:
3:55:42
